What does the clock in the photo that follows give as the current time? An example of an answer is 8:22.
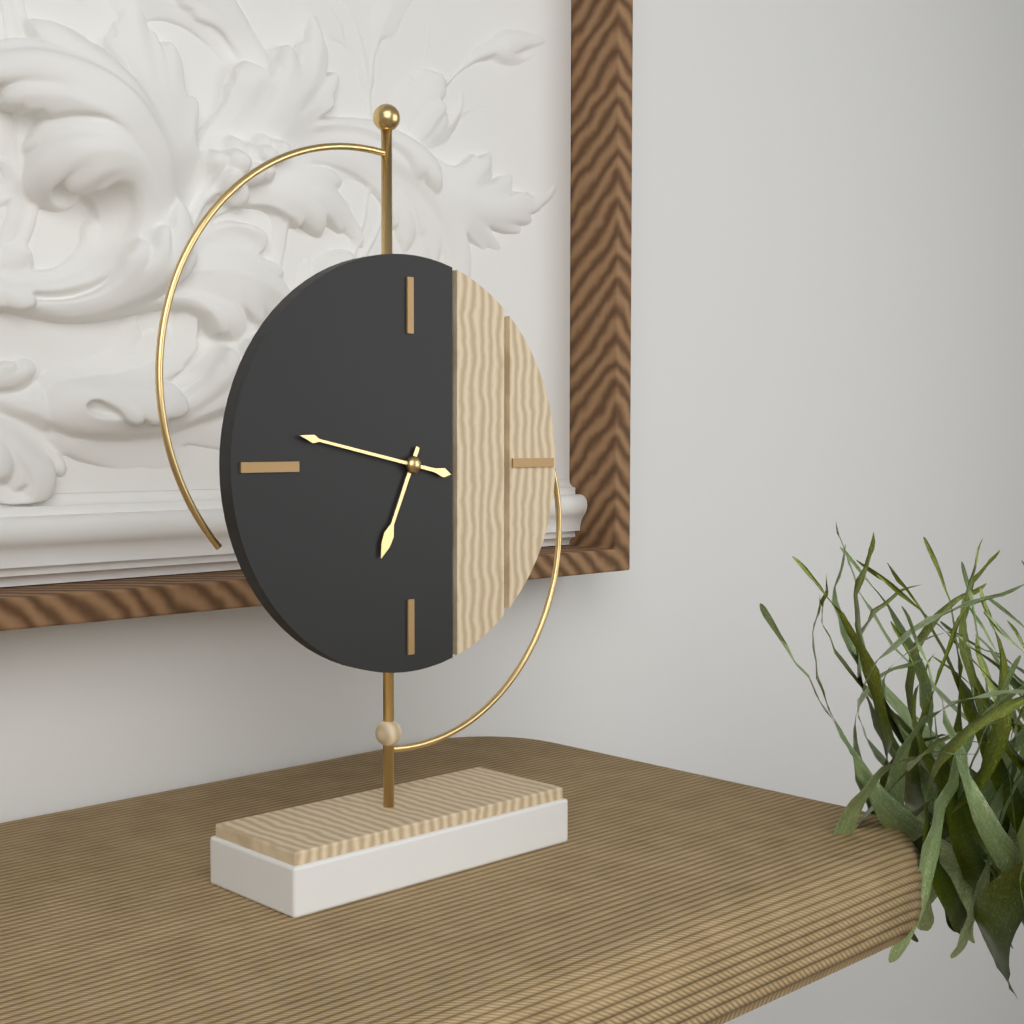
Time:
6:47
